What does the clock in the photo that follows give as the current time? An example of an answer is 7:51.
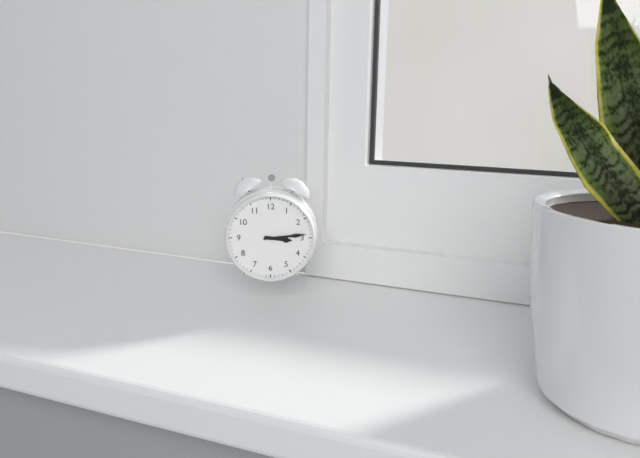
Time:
3:14
